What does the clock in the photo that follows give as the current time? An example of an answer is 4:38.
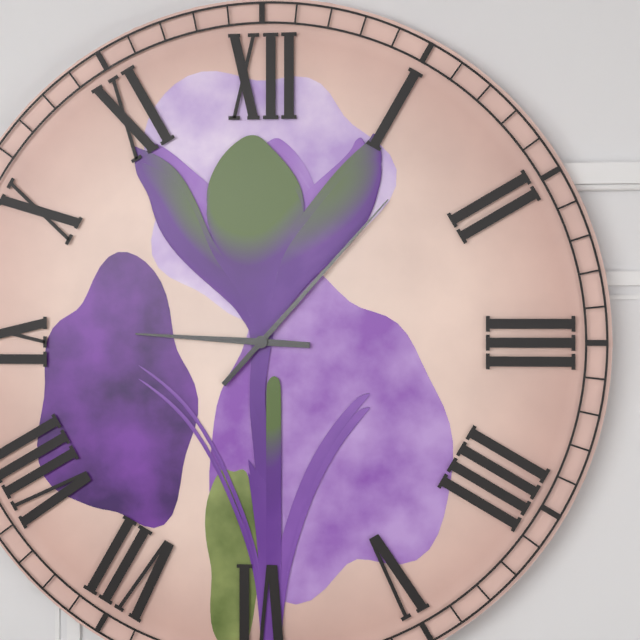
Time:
9:07
